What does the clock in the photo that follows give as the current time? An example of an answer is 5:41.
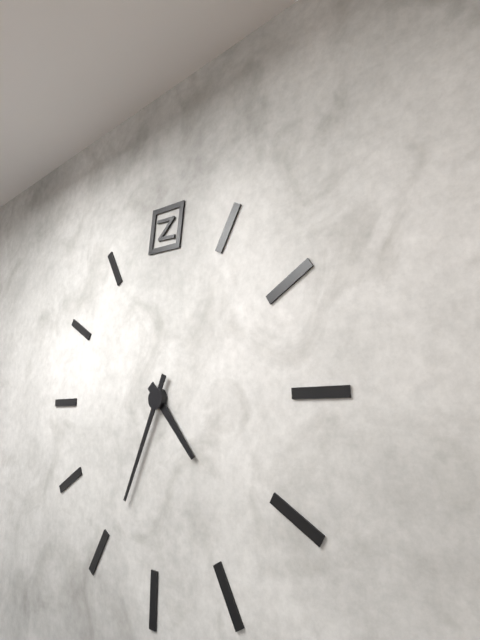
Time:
4:34
